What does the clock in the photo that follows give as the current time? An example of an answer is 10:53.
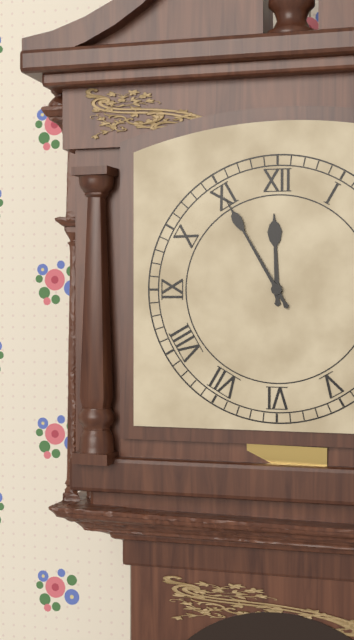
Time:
11:55
